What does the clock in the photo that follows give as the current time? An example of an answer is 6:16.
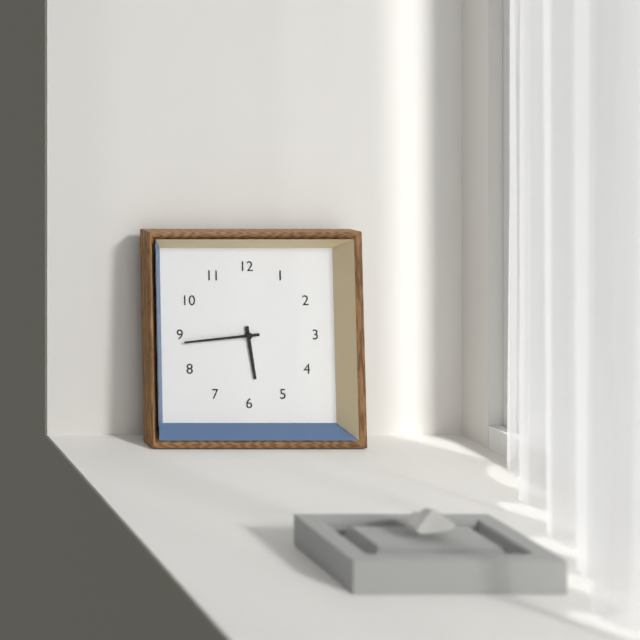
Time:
5:44
